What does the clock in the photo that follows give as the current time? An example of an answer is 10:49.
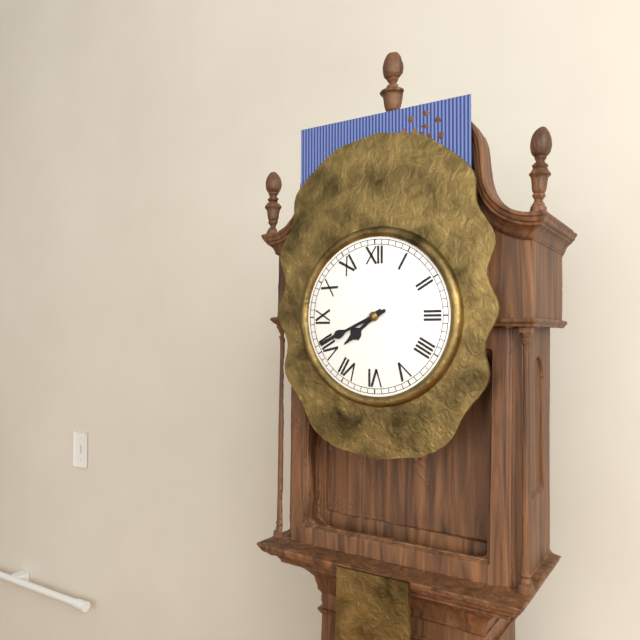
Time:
7:41
